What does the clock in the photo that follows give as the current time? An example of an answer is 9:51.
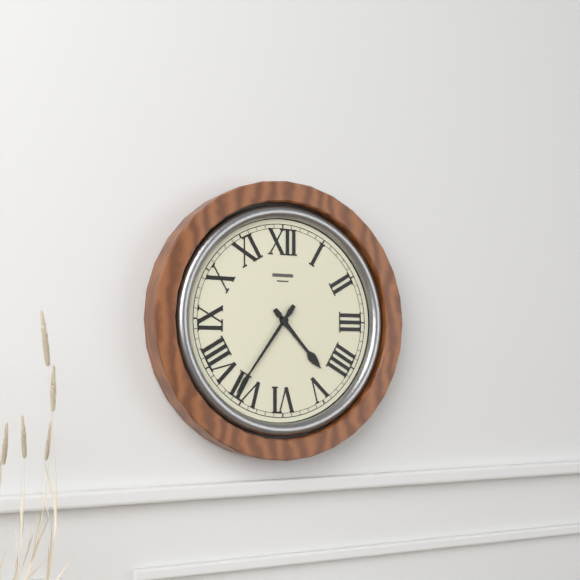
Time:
4:36
